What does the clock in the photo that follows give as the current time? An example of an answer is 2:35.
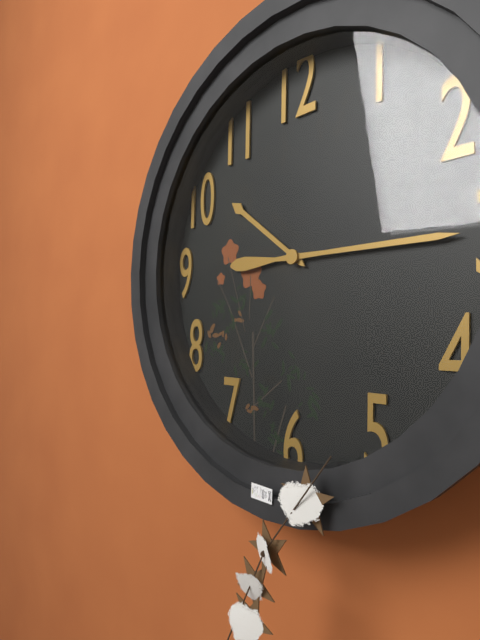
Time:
10:15
